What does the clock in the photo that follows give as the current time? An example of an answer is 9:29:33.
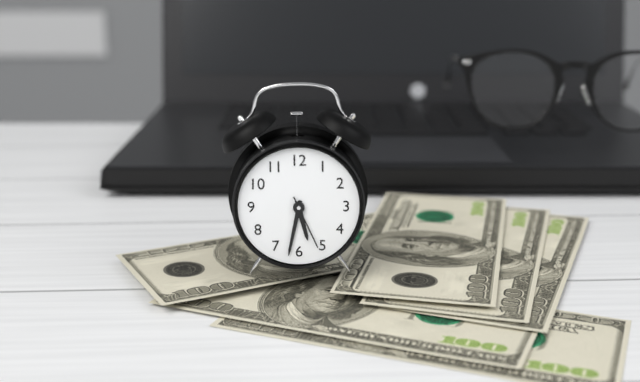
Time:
5:32:26
